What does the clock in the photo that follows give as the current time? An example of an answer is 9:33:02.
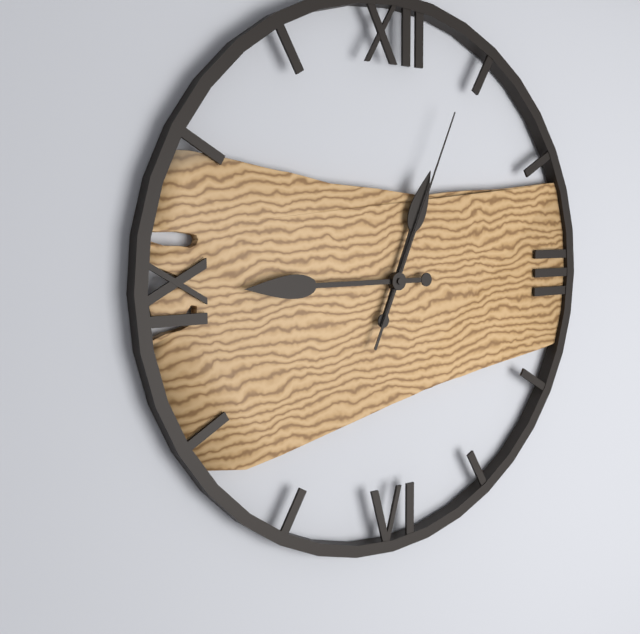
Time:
12:45:04
